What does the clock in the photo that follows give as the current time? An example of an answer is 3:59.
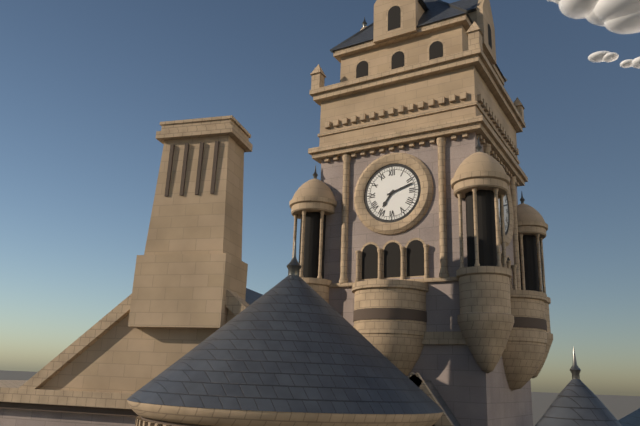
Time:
7:12
